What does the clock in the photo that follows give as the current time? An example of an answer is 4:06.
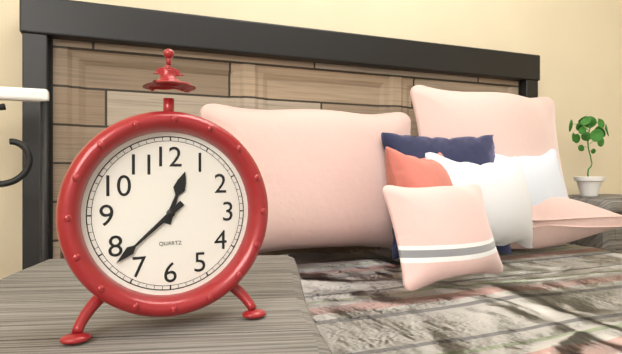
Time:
12:38
